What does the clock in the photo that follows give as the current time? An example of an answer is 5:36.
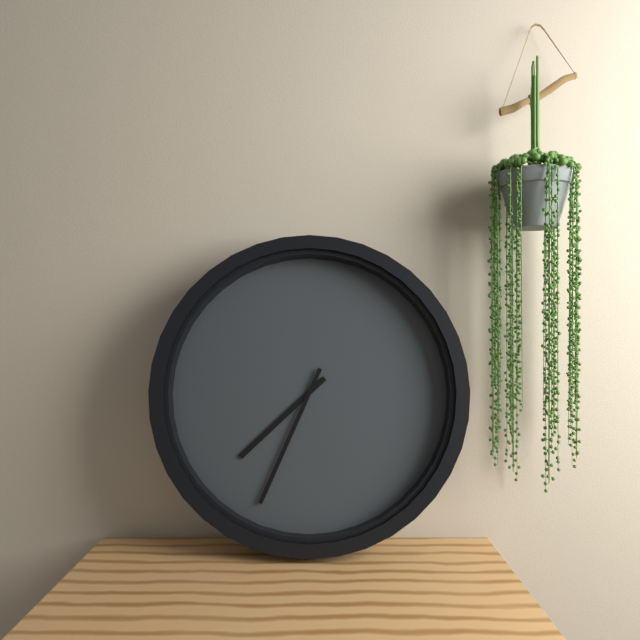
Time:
7:34
